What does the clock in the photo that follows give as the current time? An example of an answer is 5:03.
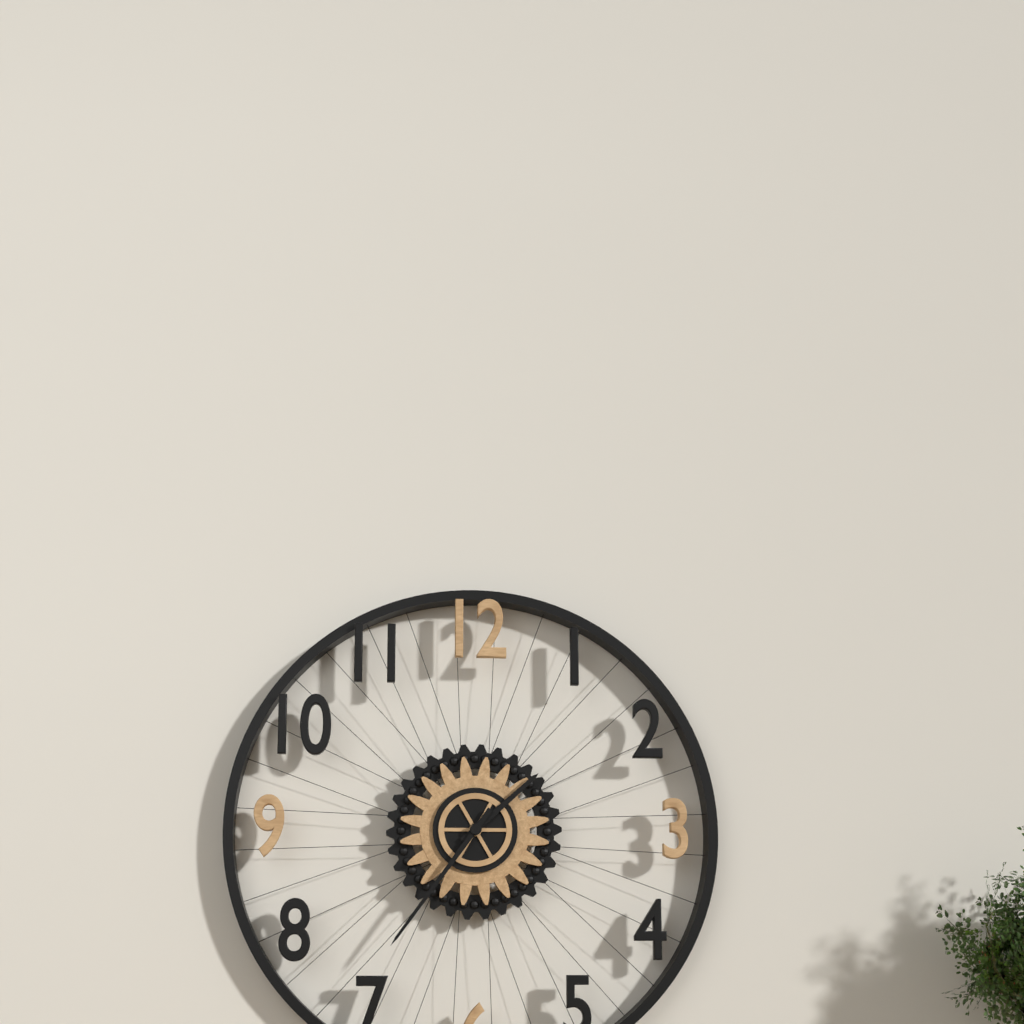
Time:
1:36
